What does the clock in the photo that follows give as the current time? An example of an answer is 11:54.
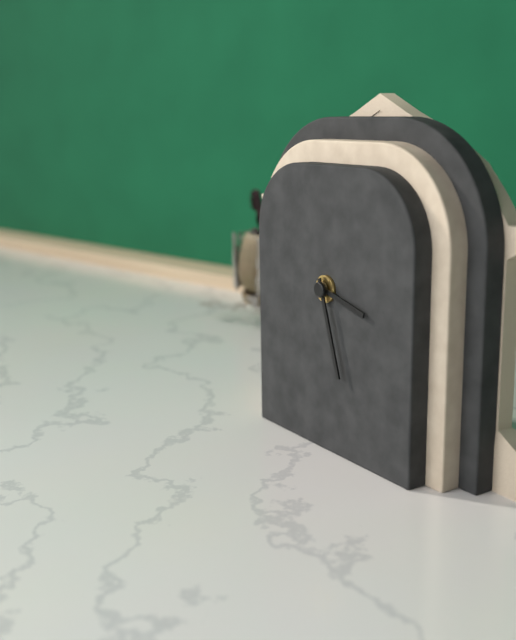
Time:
3:27
